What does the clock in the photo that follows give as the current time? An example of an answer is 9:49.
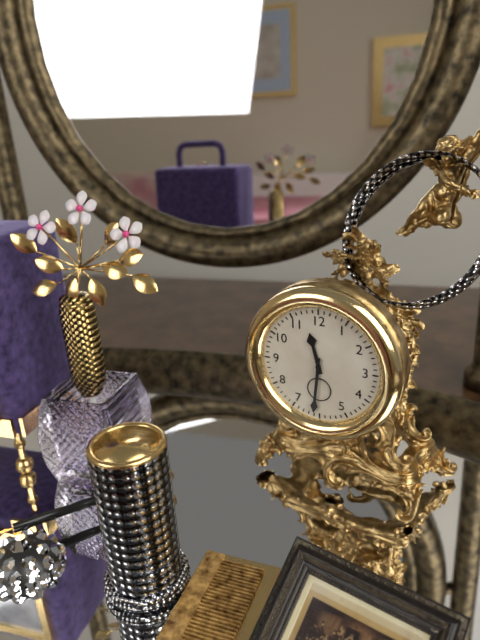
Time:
11:31
